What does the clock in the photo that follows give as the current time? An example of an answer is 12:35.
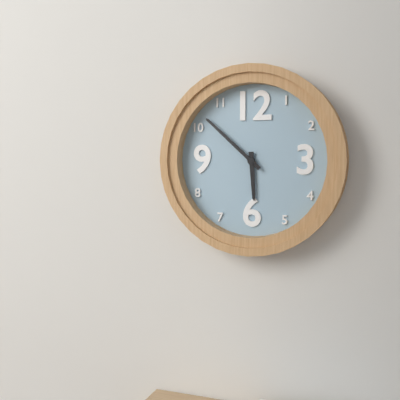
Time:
5:52
